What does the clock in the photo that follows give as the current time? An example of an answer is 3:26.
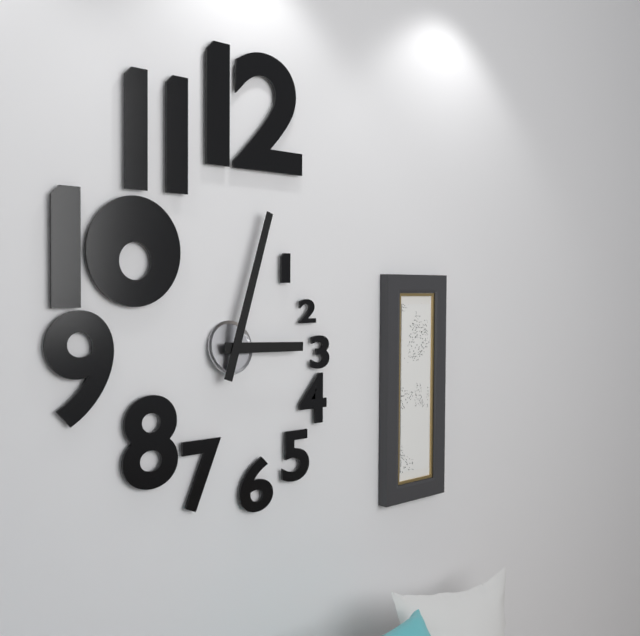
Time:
3:03
